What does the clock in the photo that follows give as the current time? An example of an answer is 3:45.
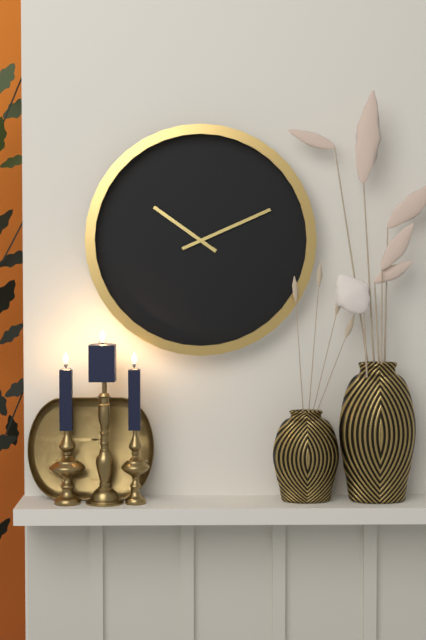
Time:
10:11
